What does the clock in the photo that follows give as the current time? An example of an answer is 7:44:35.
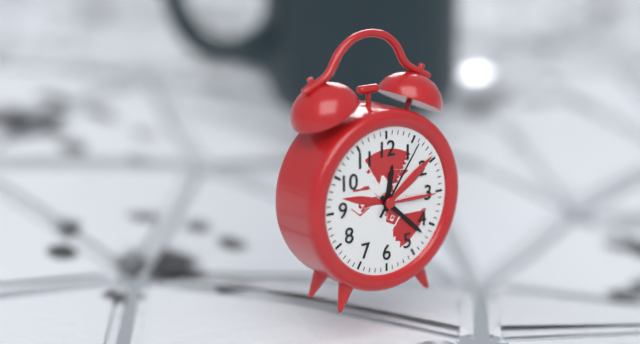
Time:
12:22:06
